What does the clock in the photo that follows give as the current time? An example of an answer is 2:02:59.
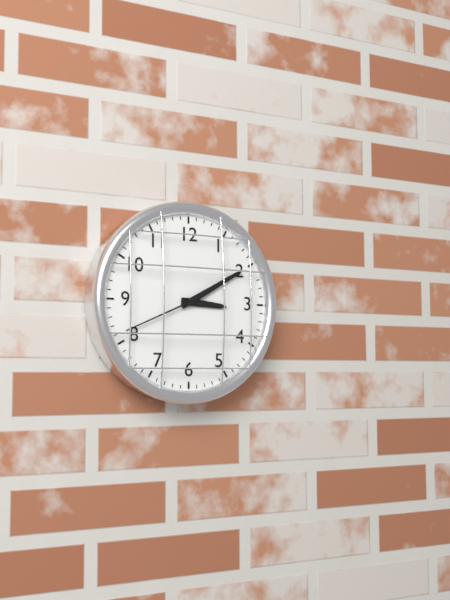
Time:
3:10:41
